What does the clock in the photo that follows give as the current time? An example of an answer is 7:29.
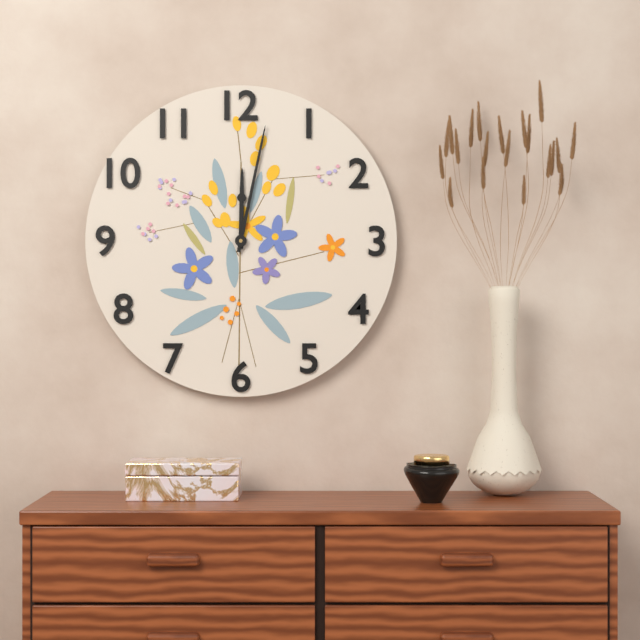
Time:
12:02
